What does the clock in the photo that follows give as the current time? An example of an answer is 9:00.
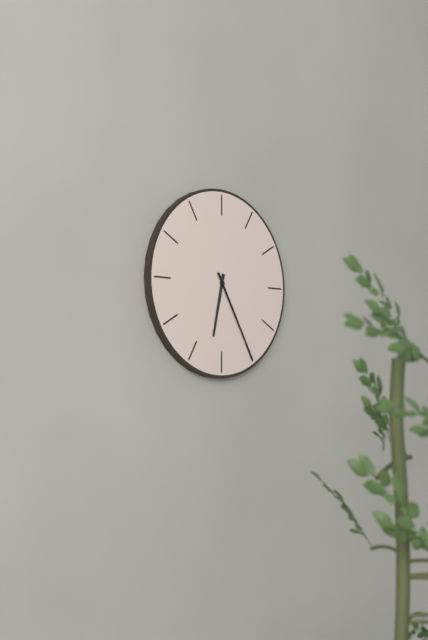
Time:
6:25
